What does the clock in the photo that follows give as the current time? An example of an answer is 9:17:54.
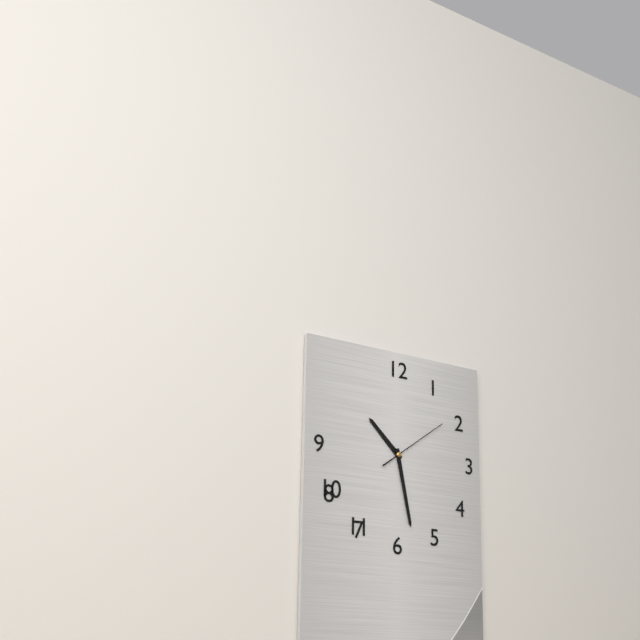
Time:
10:28:09
